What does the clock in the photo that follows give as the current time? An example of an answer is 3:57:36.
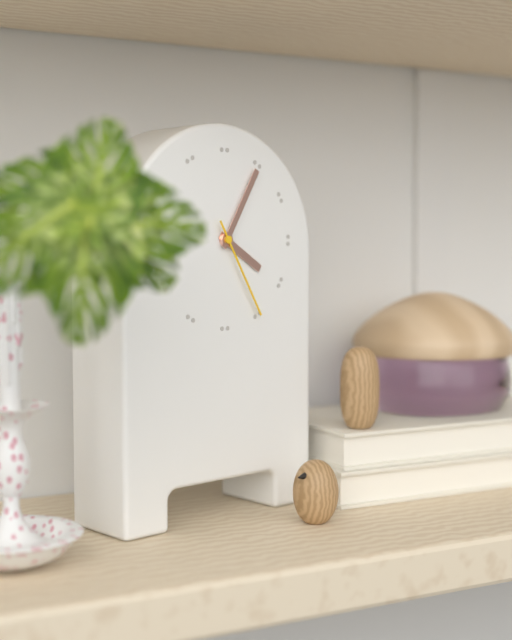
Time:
4:05:25
